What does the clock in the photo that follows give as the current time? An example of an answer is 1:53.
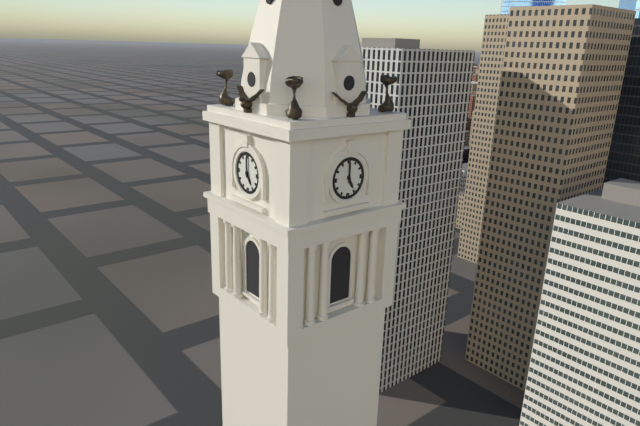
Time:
5:00
